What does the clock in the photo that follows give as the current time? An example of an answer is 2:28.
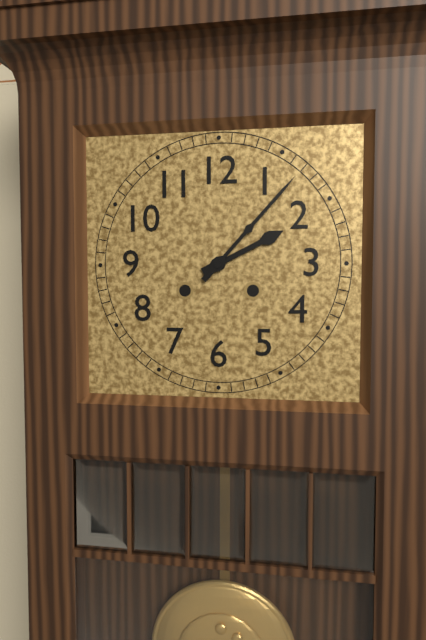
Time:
2:07
